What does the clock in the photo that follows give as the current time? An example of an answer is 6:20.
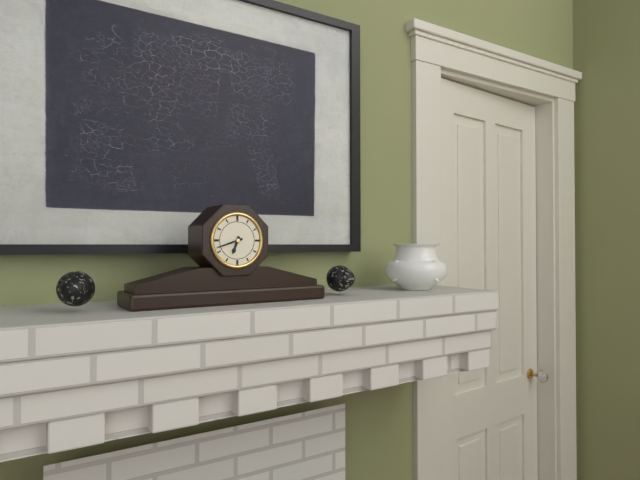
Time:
6:42
